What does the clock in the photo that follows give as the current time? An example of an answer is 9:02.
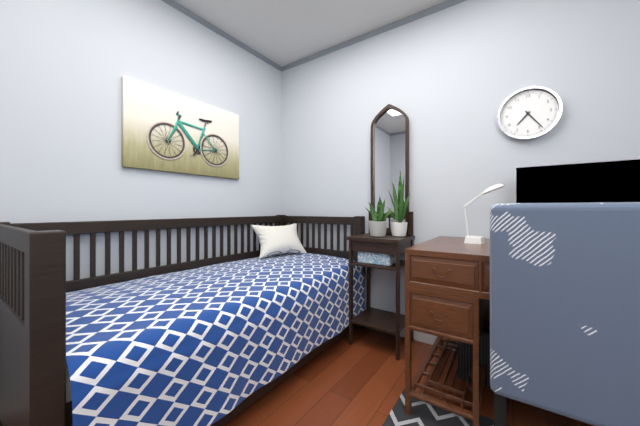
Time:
7:24
